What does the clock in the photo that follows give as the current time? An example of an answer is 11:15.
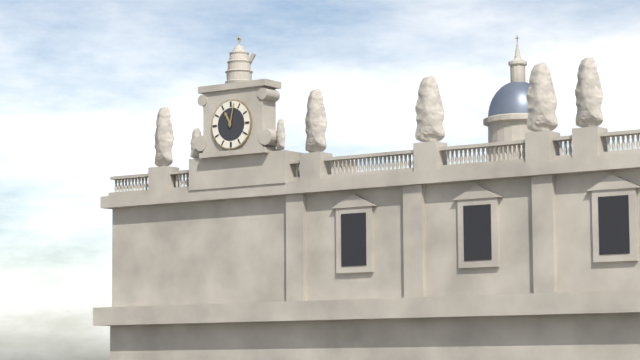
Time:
11:02
